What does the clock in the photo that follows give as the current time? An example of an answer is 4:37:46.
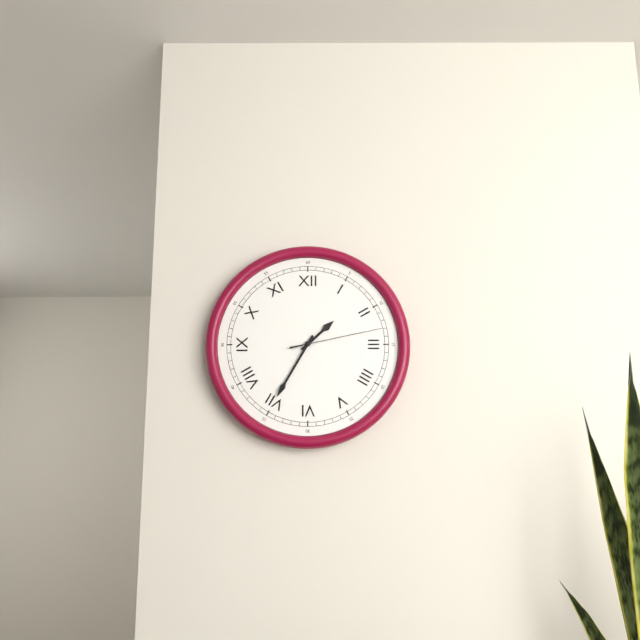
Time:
1:35:13
